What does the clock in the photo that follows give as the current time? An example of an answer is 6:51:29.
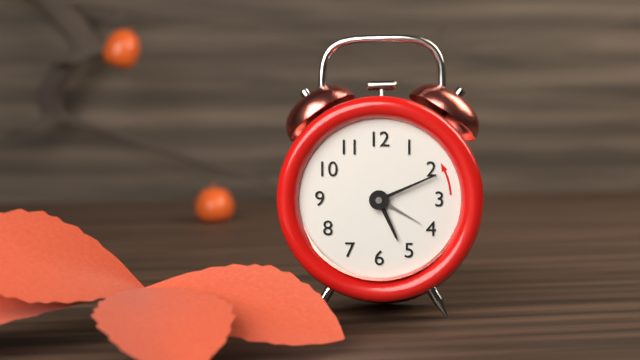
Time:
5:11:20
